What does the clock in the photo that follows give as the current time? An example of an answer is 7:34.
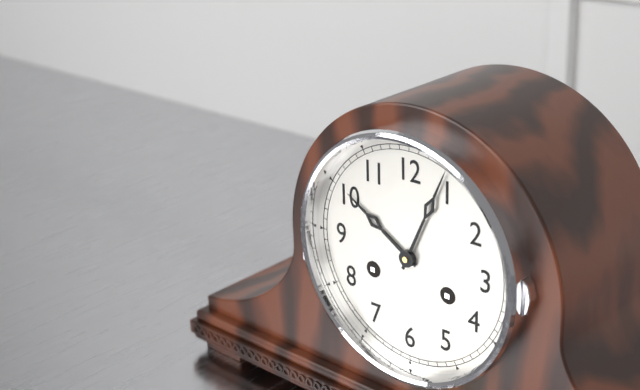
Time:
10:04
